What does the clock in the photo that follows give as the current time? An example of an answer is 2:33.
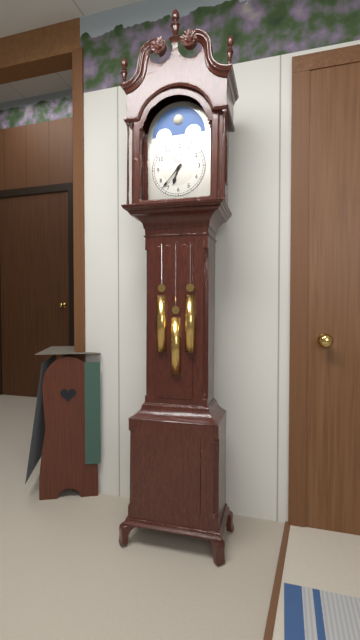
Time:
6:37
